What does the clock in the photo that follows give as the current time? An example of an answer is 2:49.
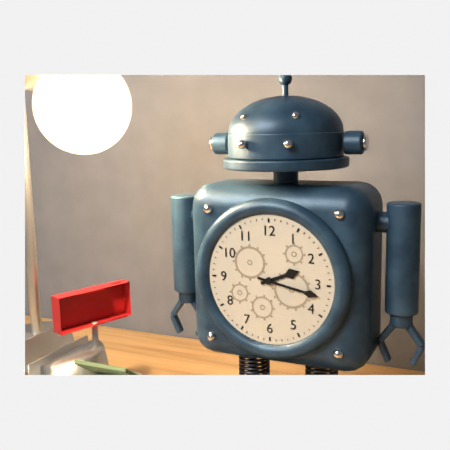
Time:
2:17
